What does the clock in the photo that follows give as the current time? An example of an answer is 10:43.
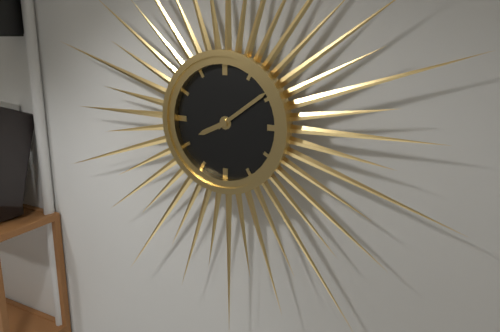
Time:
8:09
